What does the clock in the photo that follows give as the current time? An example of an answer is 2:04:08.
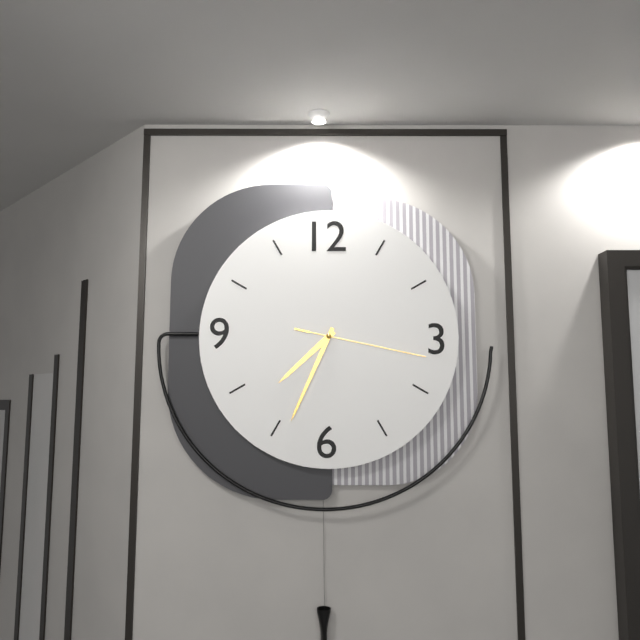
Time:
7:34:17
